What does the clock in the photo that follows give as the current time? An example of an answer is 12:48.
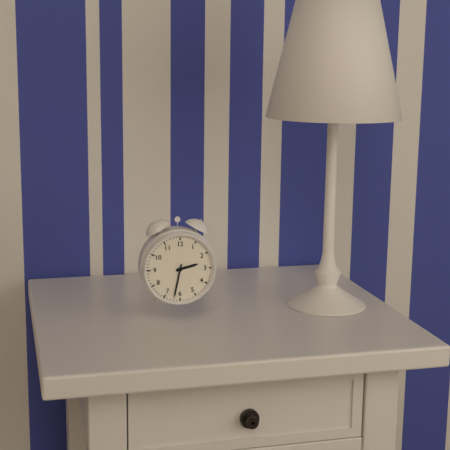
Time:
2:32
